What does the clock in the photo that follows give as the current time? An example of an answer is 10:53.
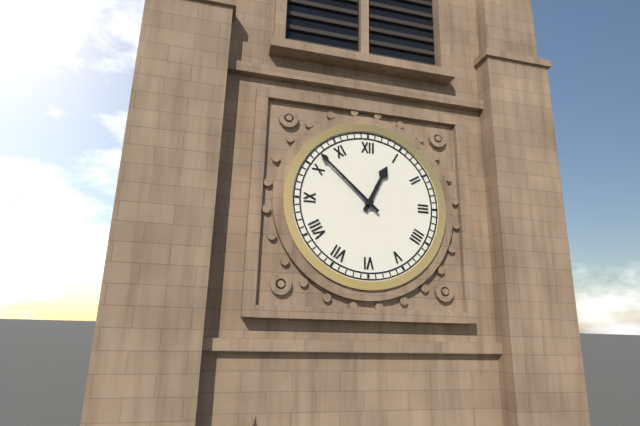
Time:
12:52
